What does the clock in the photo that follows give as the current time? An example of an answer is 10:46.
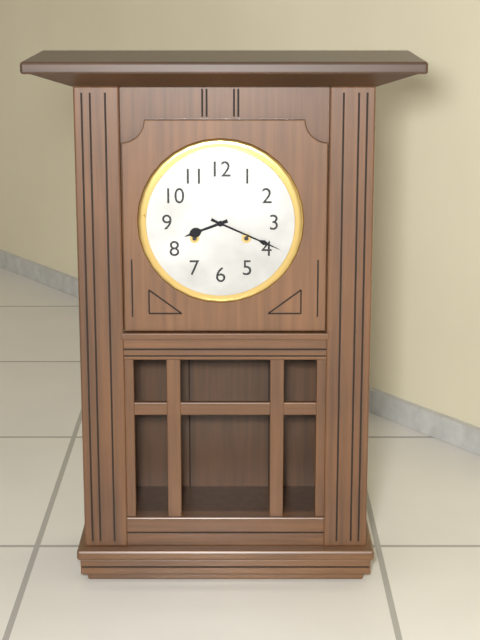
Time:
8:19
